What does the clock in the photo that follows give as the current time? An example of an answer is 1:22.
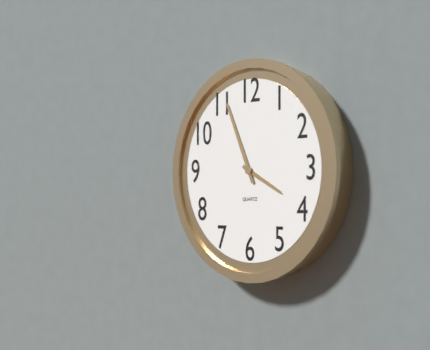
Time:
3:56
